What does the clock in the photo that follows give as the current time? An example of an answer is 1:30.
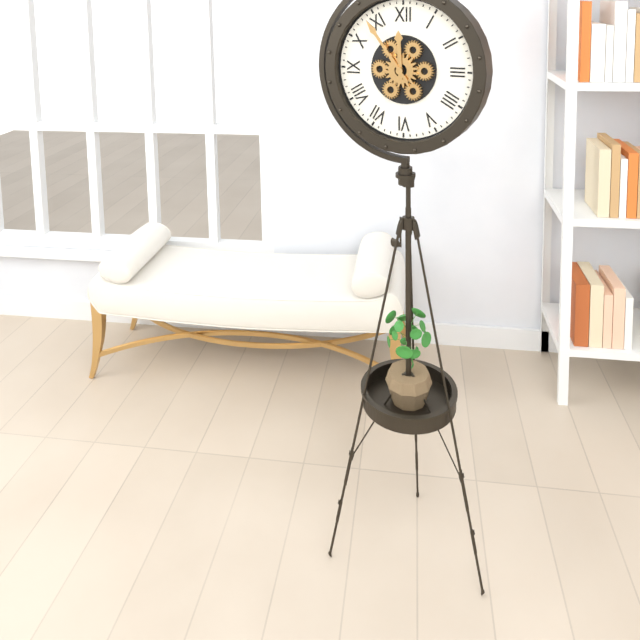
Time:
11:54
